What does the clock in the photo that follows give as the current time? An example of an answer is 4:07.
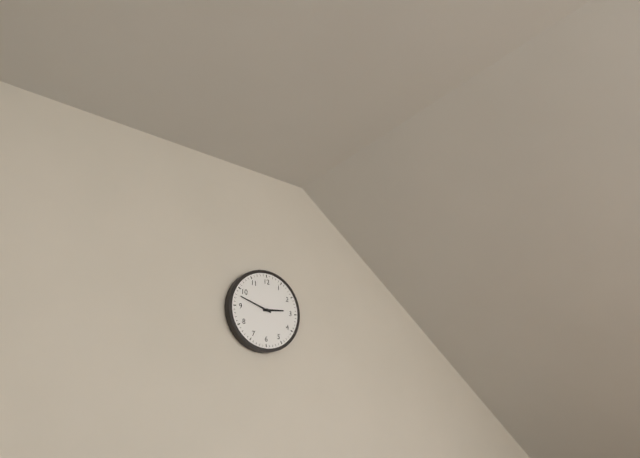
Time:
2:48
